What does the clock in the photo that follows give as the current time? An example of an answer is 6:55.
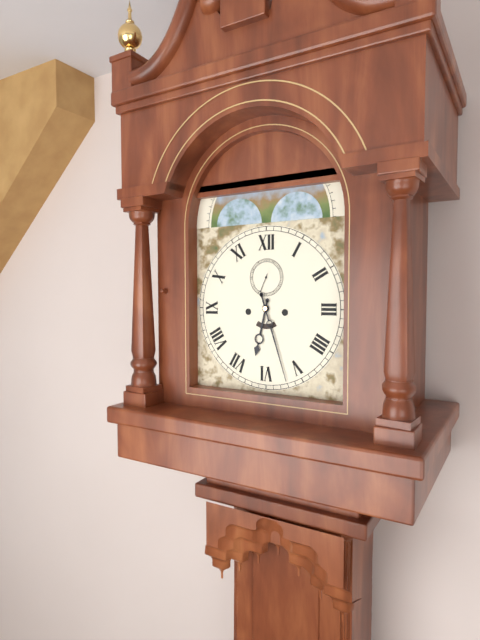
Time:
6:27
